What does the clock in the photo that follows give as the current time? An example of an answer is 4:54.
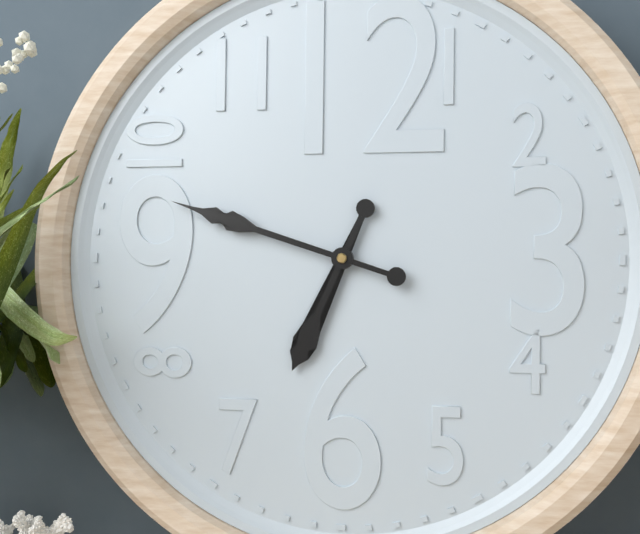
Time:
6:48
